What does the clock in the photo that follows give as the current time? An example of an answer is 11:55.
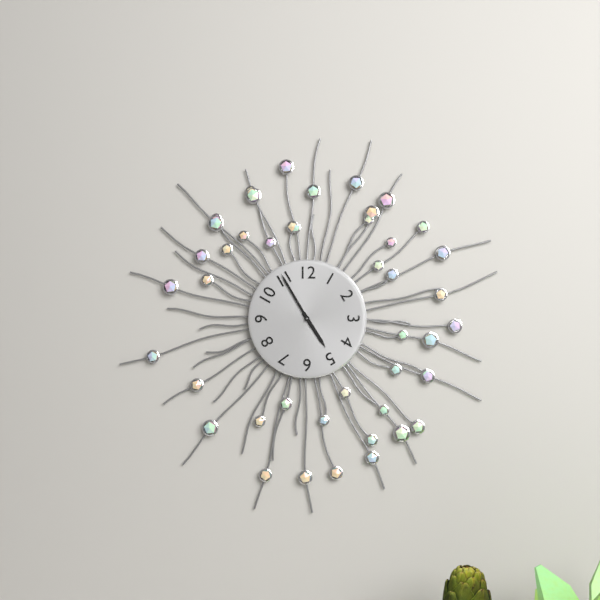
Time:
4:55
